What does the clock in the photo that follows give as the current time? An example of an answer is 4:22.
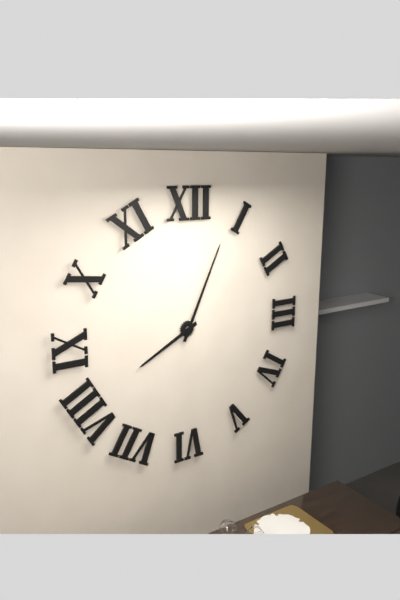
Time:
8:04
